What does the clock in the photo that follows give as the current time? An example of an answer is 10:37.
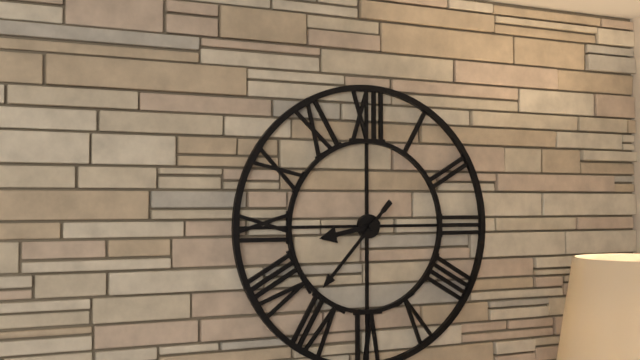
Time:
8:37
